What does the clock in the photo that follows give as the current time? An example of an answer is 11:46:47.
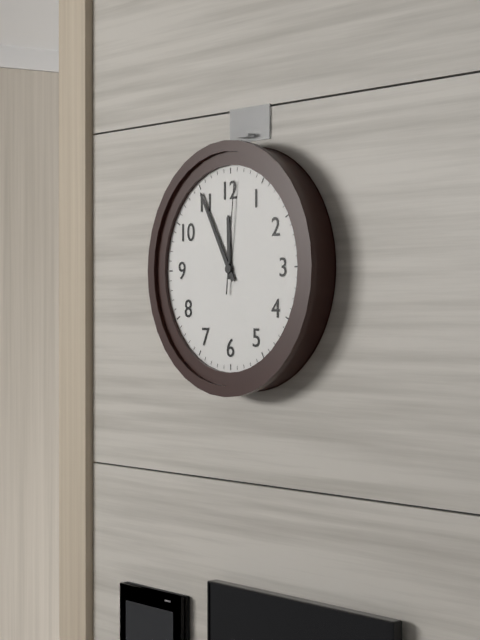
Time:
11:55:01
